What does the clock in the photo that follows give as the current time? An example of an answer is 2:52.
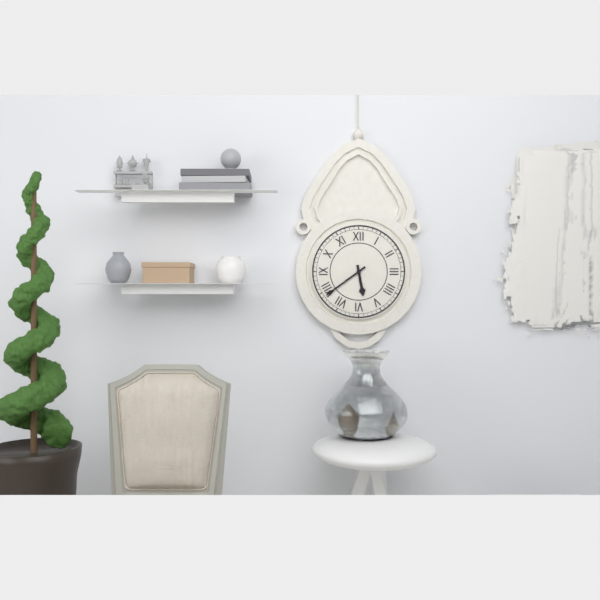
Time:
5:39
